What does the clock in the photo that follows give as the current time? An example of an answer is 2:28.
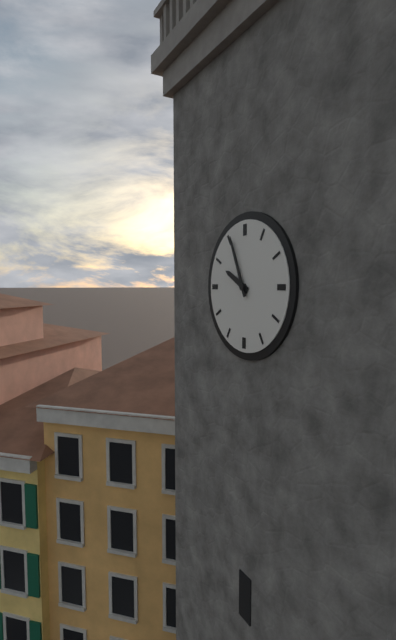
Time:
9:56
